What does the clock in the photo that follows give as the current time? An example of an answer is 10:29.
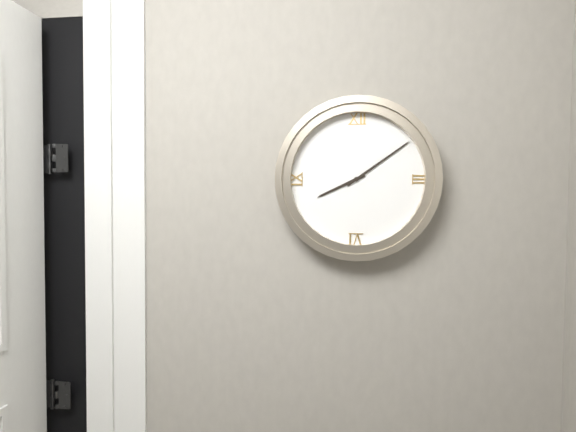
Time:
8:09
